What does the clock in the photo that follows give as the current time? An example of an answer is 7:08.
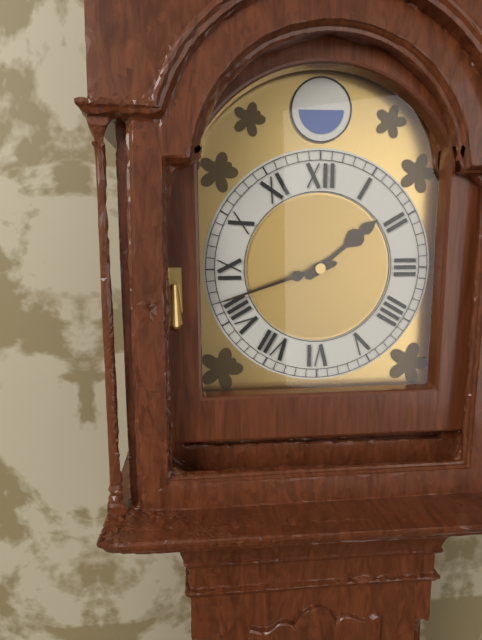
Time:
1:42
